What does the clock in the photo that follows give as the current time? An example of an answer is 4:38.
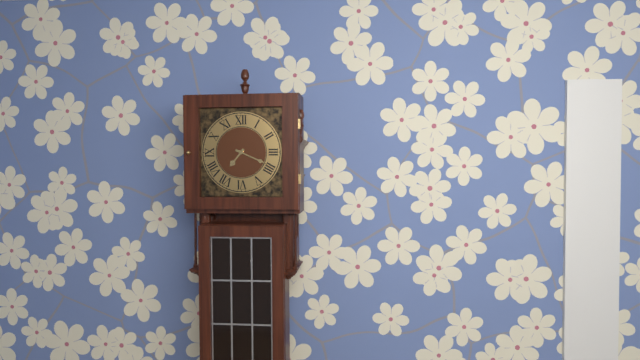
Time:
7:19
